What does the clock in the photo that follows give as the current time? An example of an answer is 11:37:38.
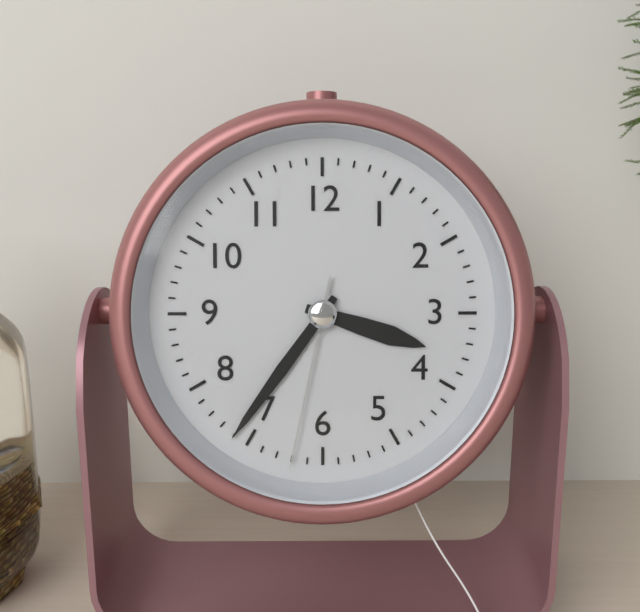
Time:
3:36:32
